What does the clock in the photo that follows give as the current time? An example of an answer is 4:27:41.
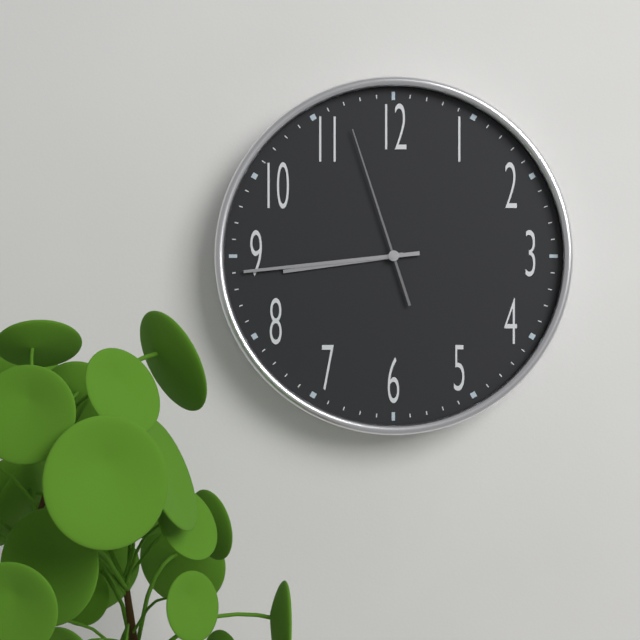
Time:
8:44:57
